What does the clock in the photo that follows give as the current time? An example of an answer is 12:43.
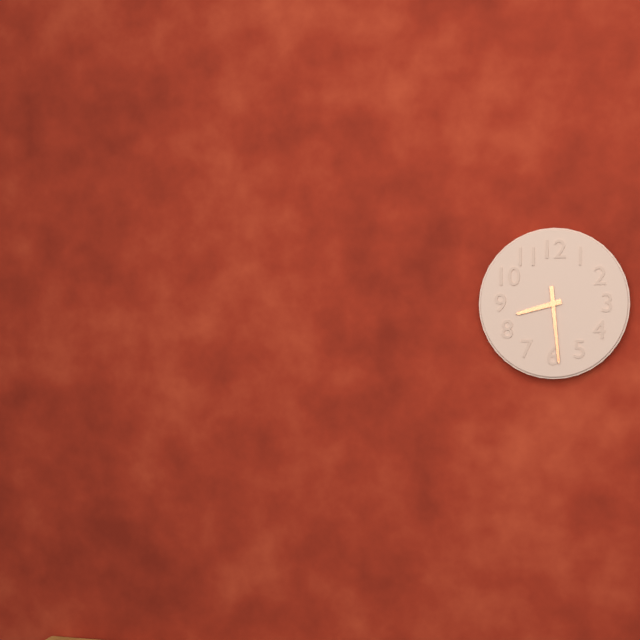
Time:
8:29
